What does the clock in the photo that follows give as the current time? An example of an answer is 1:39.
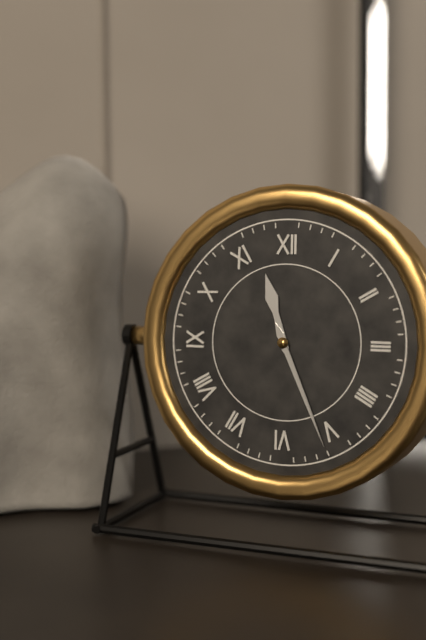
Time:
11:26
